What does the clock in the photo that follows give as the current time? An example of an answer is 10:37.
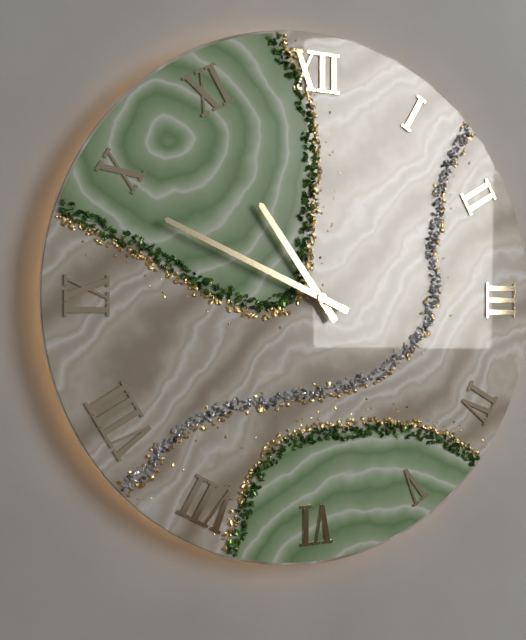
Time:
10:49
